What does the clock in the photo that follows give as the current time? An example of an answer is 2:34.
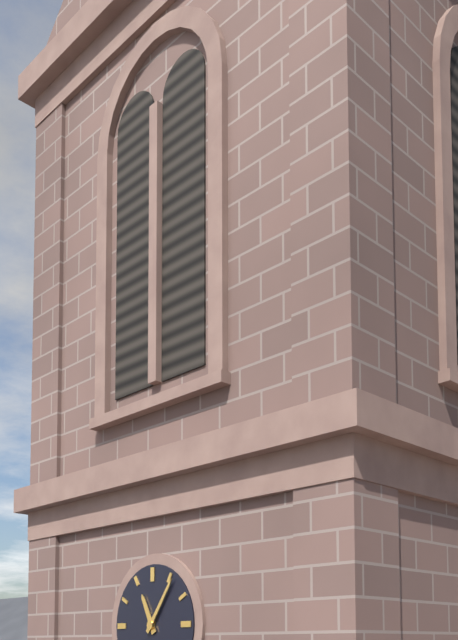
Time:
11:06
